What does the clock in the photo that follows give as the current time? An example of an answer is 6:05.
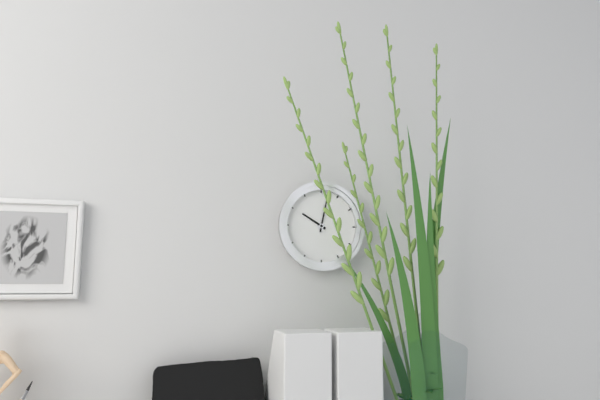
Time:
10:02
